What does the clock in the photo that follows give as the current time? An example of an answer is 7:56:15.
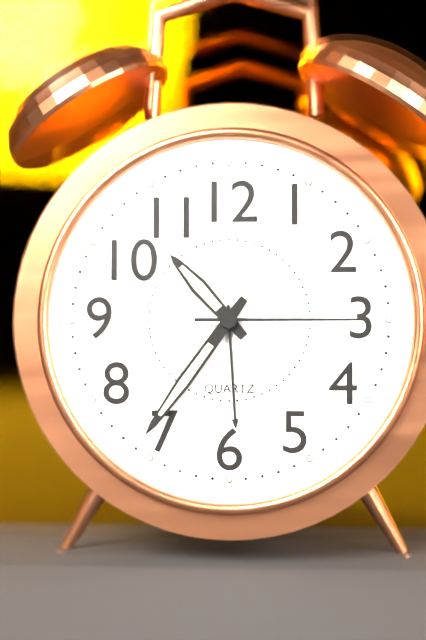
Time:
10:36:15
